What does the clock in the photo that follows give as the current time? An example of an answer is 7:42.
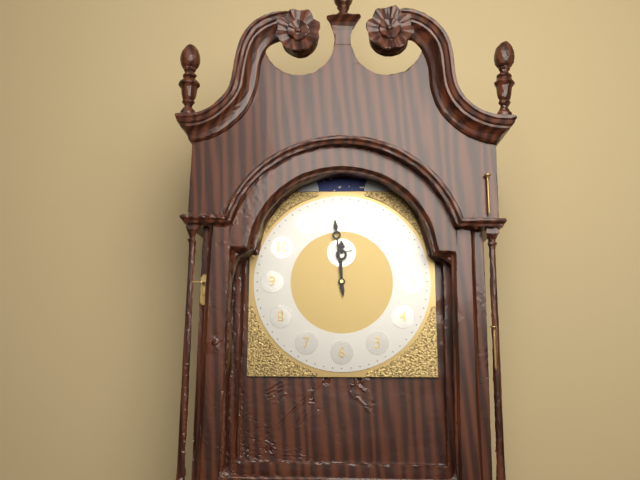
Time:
11:59
